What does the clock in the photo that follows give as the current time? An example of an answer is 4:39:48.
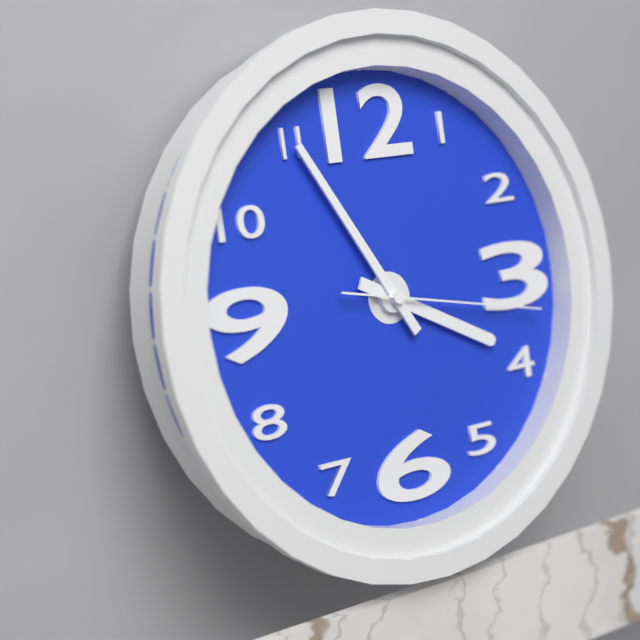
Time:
3:55:17
